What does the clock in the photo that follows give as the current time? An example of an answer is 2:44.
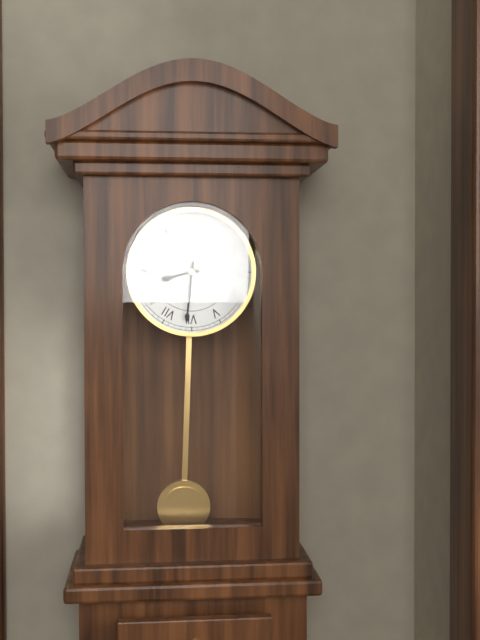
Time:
8:31
